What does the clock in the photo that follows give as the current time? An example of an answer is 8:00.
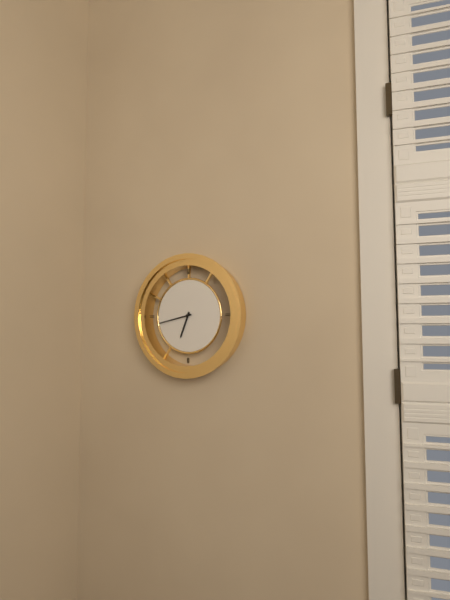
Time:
6:43
